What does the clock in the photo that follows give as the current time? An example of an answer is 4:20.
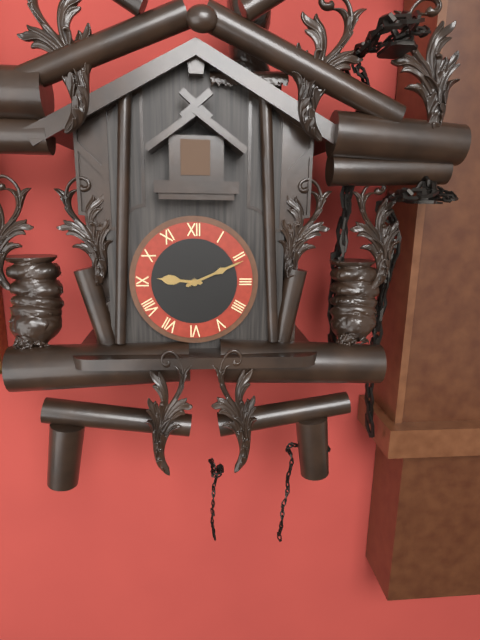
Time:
9:11
